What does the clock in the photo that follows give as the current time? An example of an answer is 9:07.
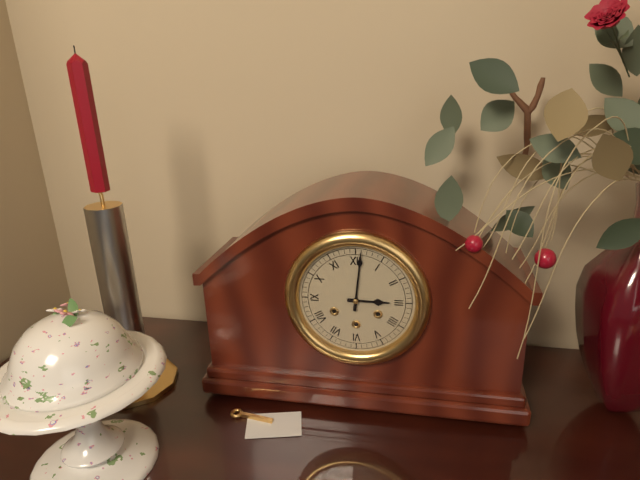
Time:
3:01
